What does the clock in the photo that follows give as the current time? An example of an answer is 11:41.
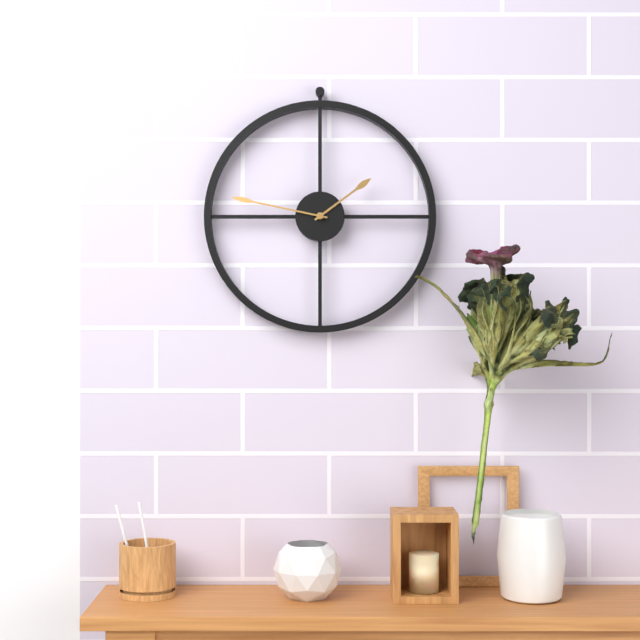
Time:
1:47
